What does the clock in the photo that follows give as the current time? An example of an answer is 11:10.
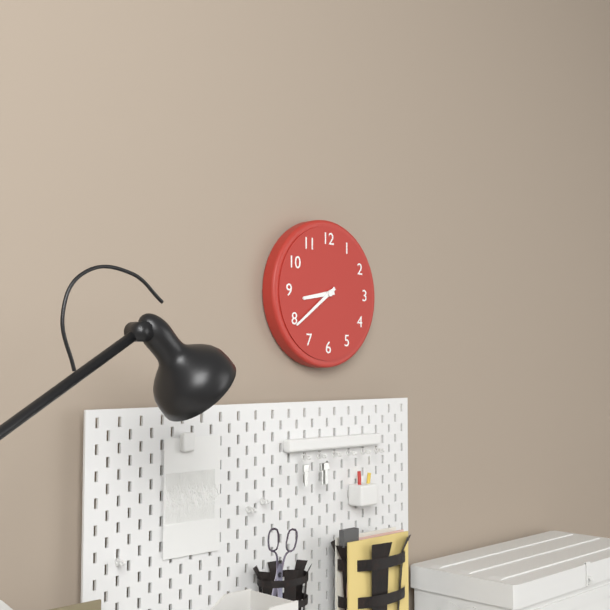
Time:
8:39
